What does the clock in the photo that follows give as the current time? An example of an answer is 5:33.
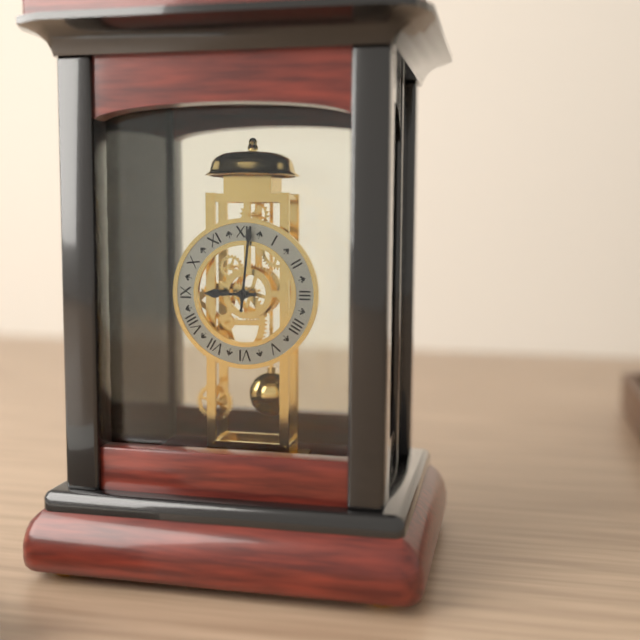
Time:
9:01
